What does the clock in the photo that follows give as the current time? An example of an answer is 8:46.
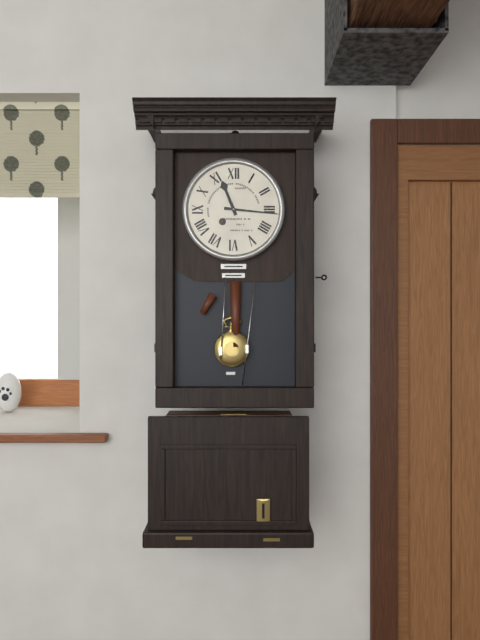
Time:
11:16
